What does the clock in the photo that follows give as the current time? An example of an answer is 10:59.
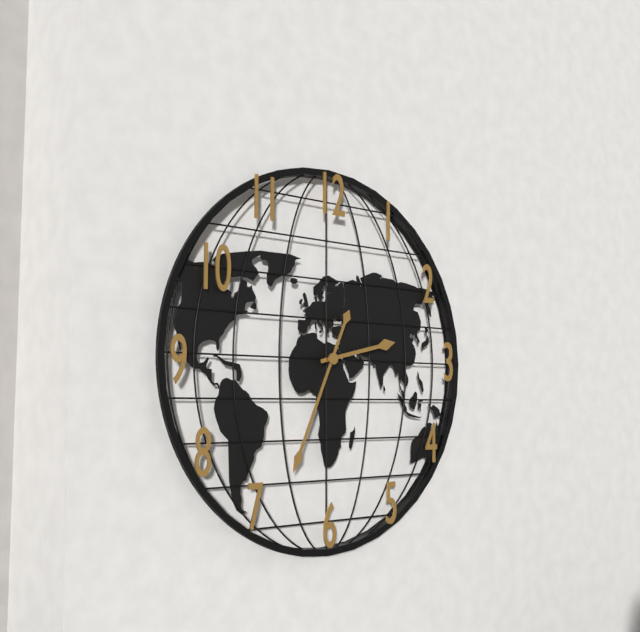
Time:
2:34
